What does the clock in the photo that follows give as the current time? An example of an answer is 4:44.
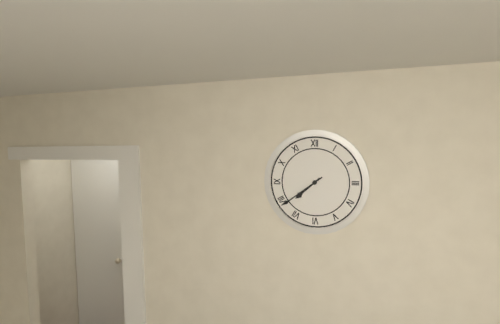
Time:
7:39
